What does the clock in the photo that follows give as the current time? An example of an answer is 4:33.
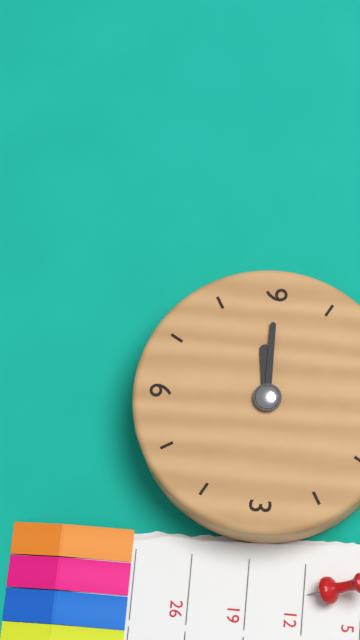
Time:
8:45
